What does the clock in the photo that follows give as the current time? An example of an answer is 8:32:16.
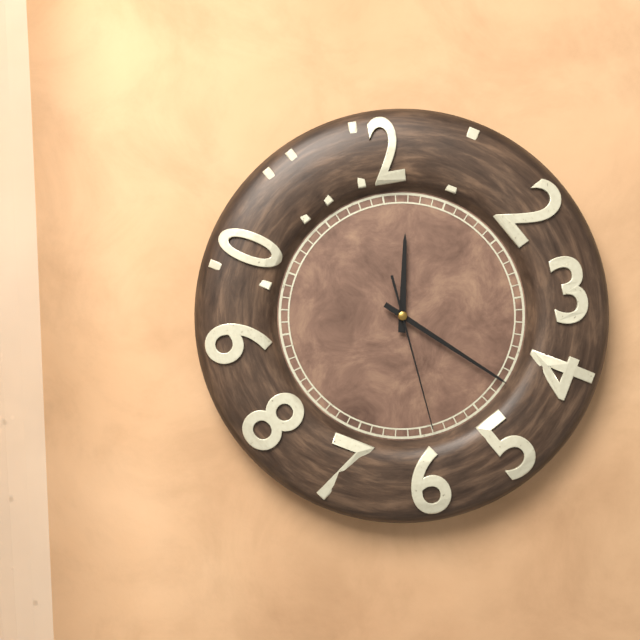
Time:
12:22:29
